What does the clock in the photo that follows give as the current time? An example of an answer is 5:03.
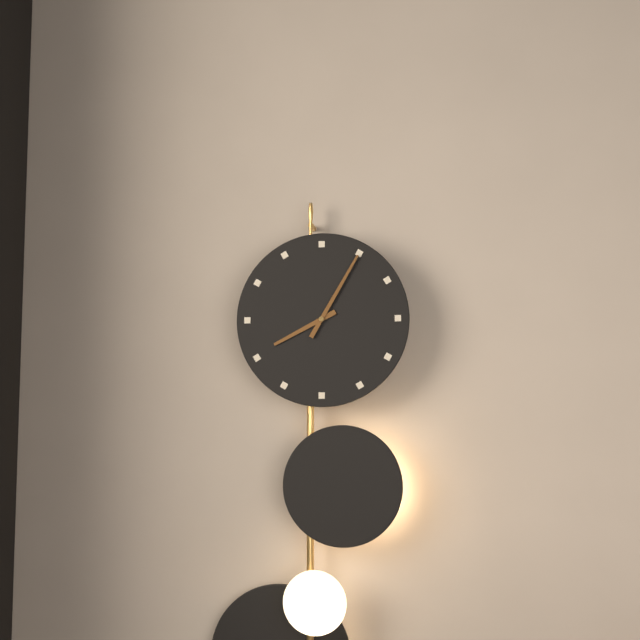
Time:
8:05
